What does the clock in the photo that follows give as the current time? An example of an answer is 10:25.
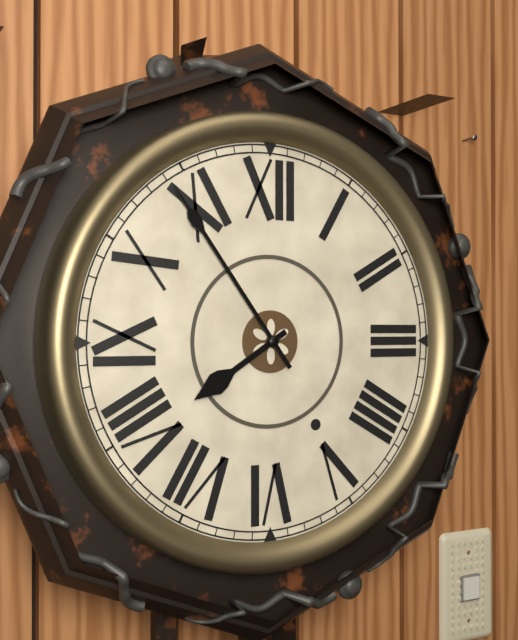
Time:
7:54
